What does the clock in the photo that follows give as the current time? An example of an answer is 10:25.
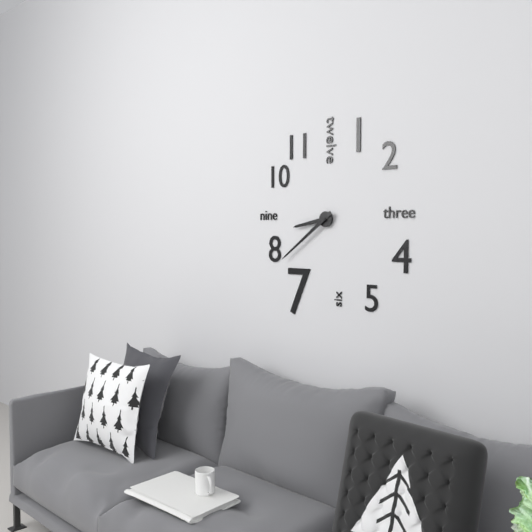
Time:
8:39
